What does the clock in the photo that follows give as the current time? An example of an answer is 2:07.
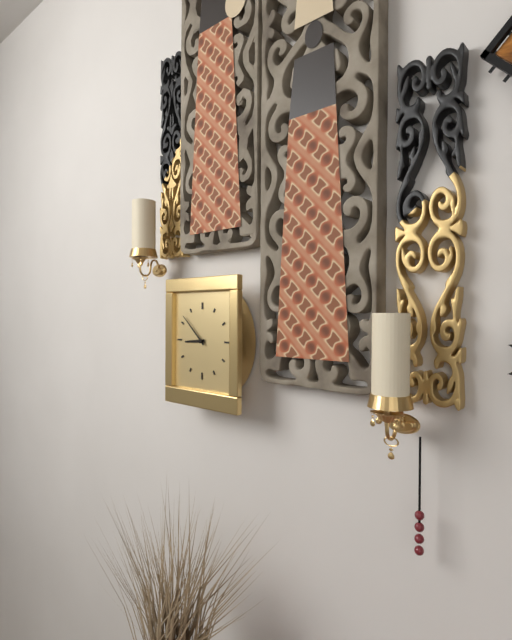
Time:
8:52
